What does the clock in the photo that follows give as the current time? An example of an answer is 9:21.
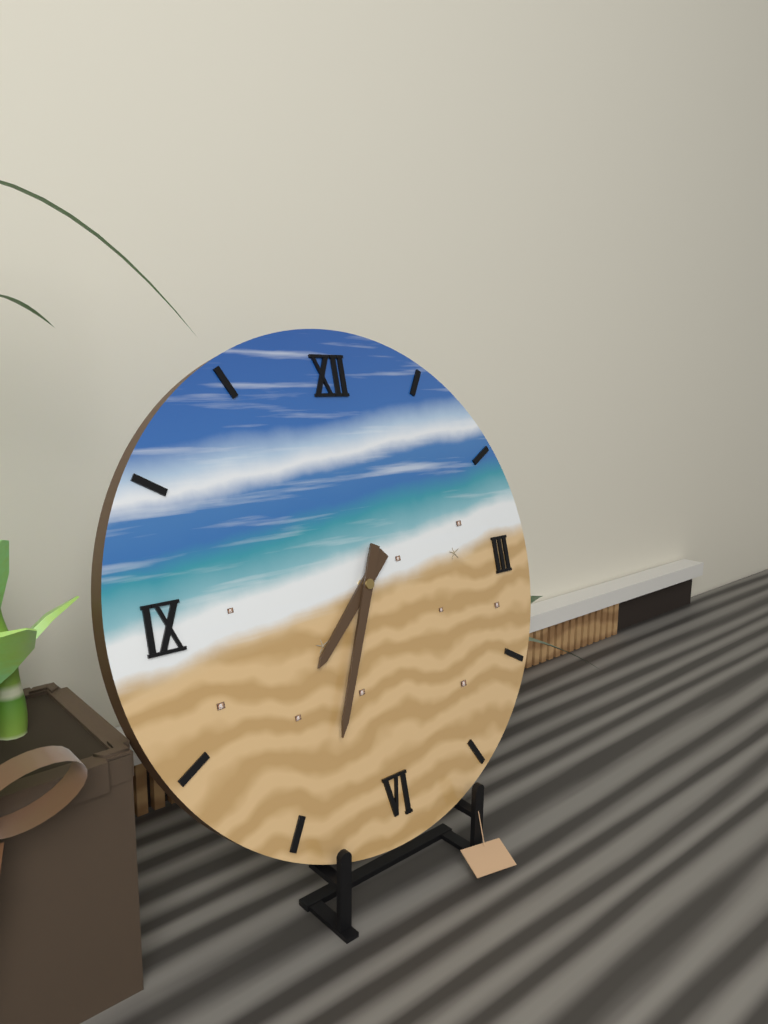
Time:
7:34
